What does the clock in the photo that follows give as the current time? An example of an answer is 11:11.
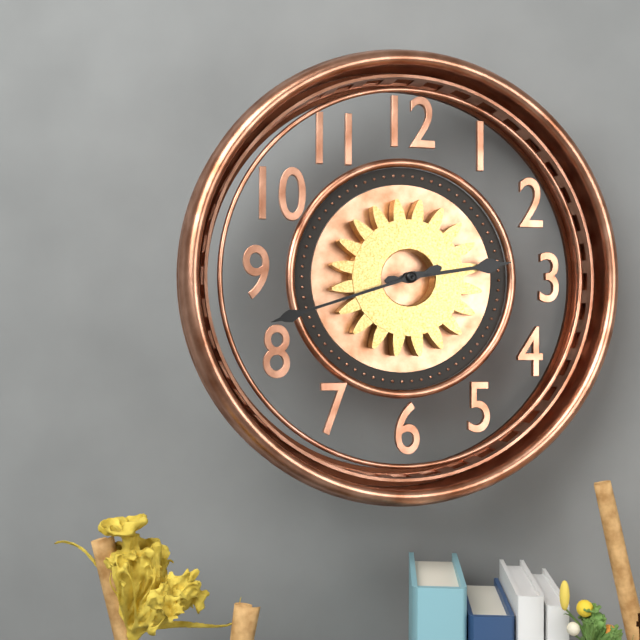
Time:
2:42
